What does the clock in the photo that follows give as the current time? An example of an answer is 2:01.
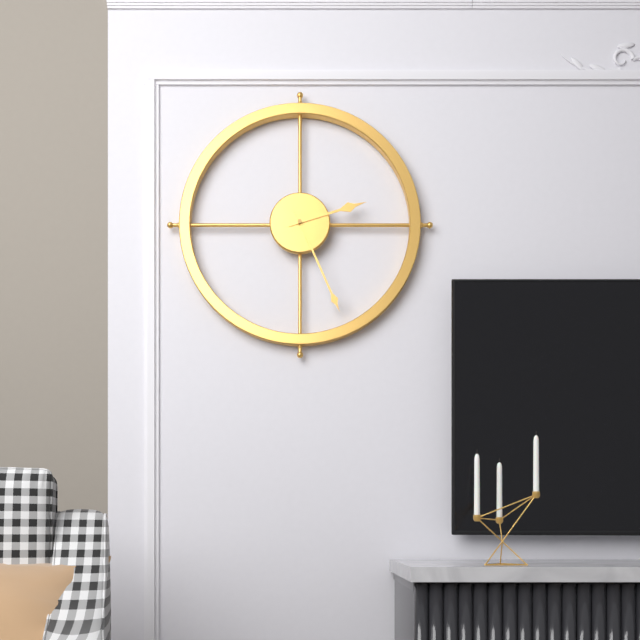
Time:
2:26
